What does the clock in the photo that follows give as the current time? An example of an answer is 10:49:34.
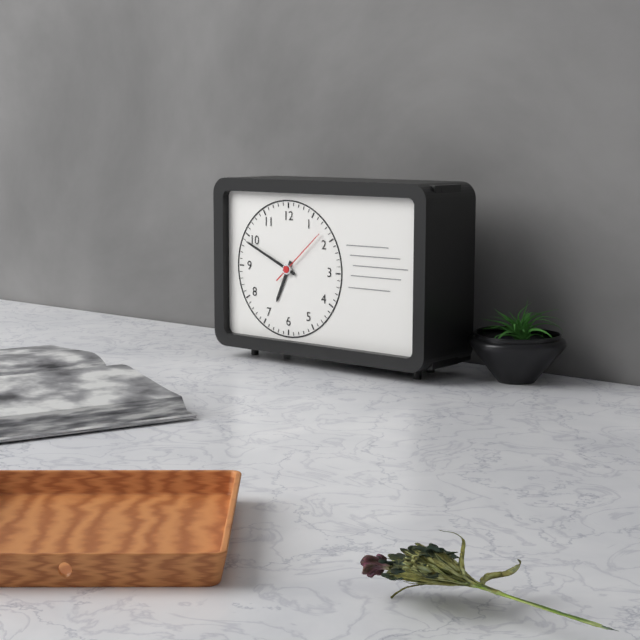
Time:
6:49:08
